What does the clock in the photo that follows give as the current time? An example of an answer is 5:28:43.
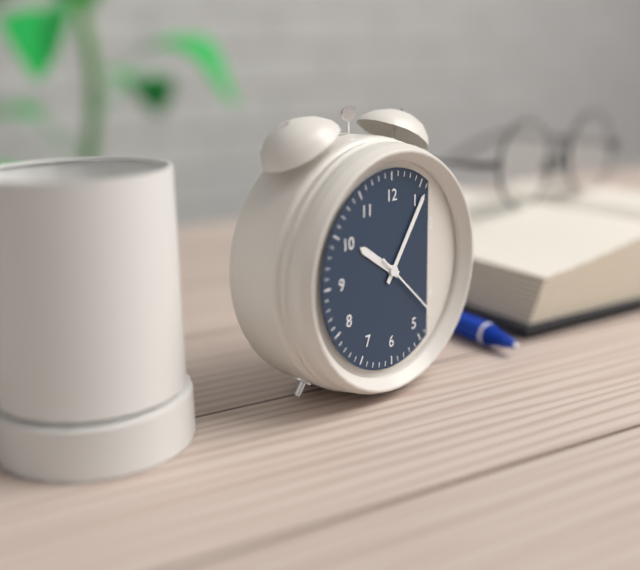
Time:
10:06:22
